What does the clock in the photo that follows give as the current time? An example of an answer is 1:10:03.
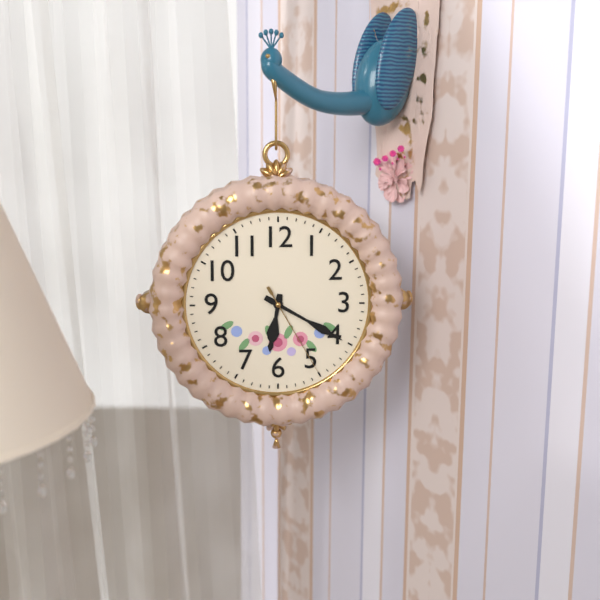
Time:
6:20:25
